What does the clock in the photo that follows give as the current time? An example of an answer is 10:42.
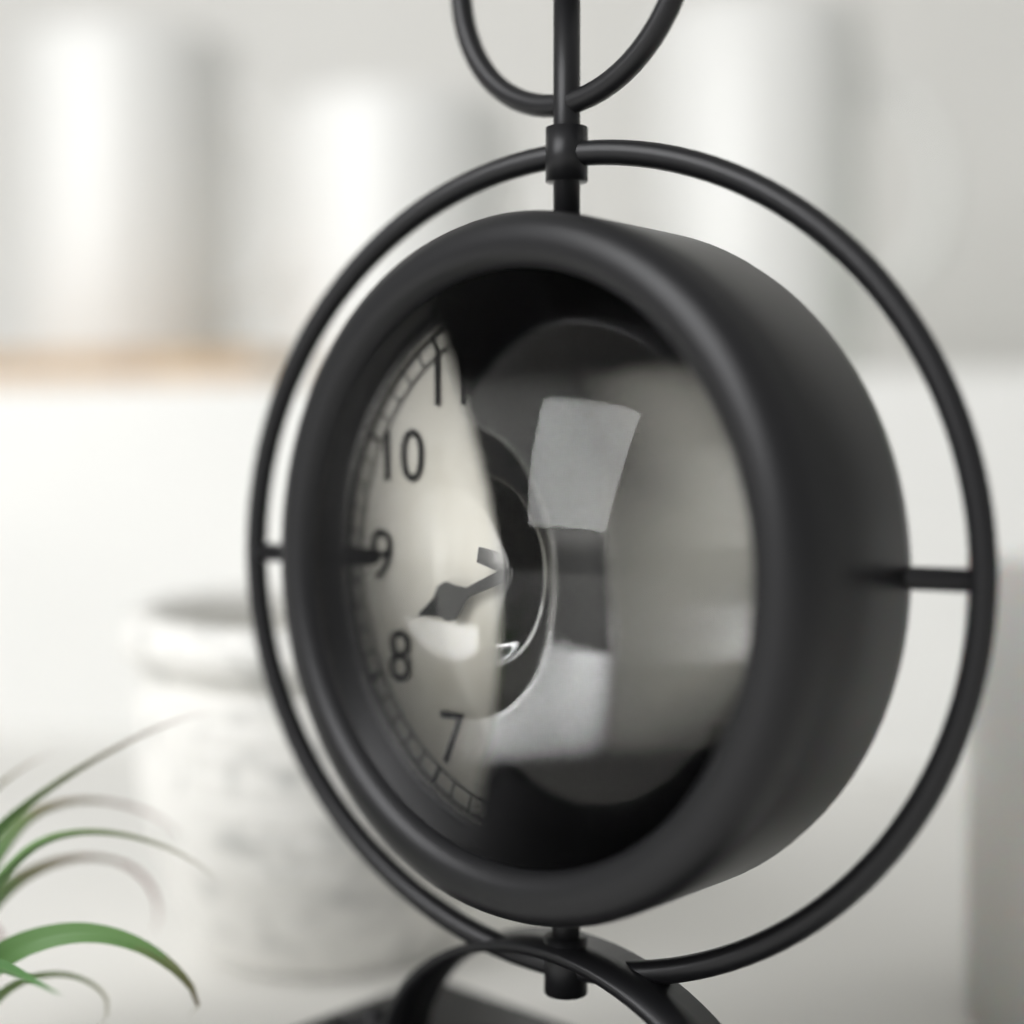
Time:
8:17
